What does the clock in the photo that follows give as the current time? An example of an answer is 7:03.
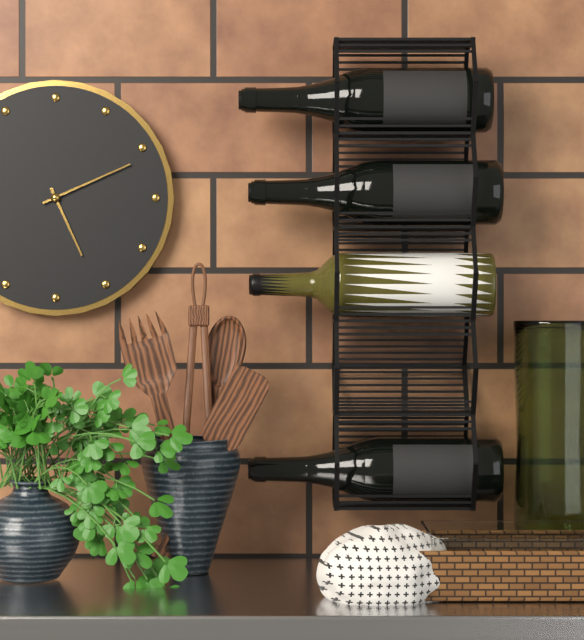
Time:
5:11
